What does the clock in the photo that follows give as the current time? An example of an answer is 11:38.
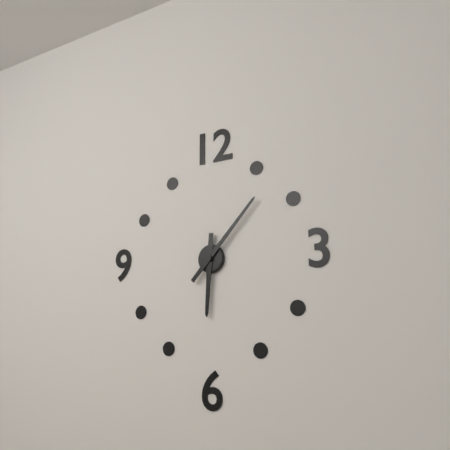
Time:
6:07
